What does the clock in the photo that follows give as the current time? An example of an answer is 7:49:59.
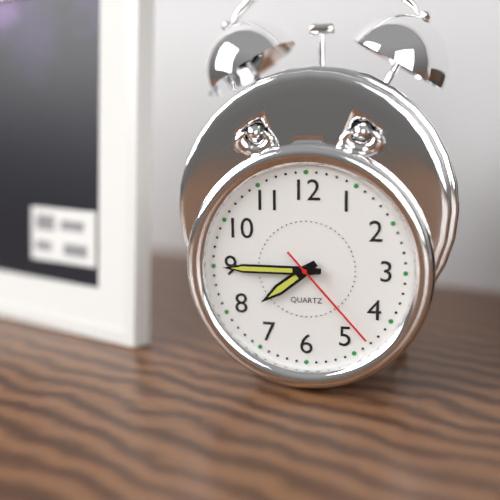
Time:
7:45:23
